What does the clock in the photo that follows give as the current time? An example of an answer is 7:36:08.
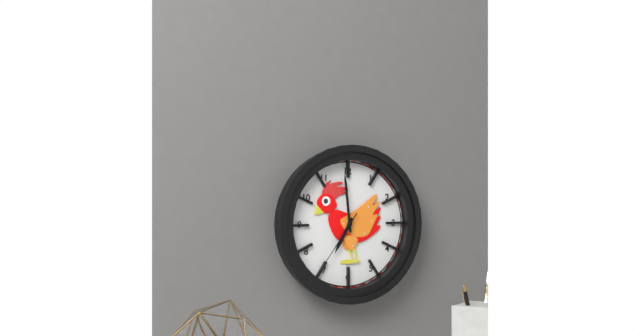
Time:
6:59:36
